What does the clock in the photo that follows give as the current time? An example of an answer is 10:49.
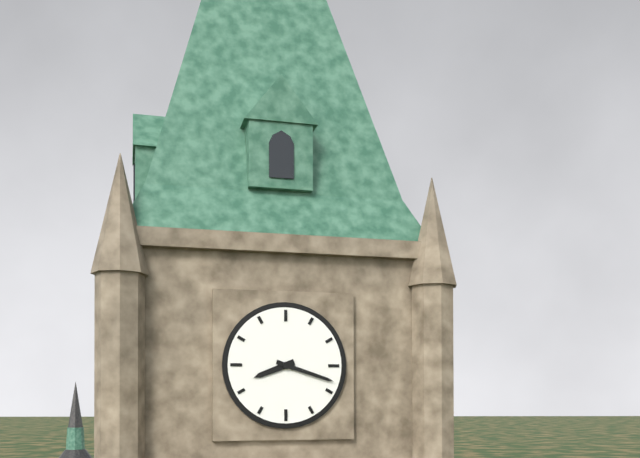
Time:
8:18
